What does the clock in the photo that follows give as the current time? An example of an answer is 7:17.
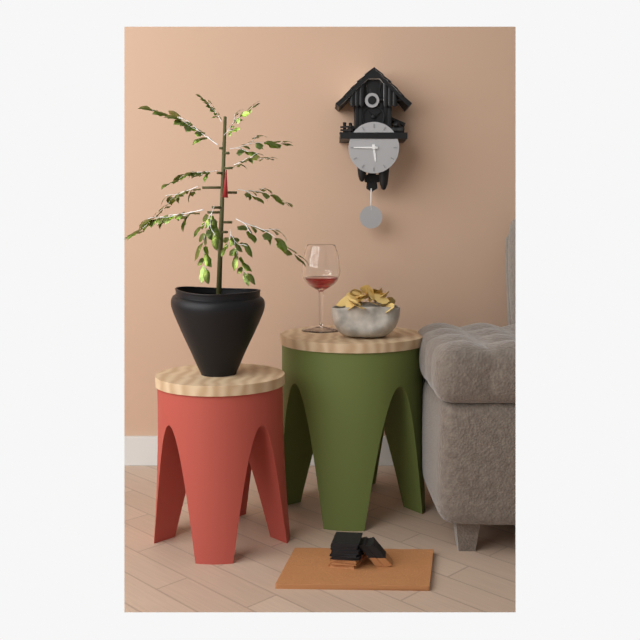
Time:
5:45
